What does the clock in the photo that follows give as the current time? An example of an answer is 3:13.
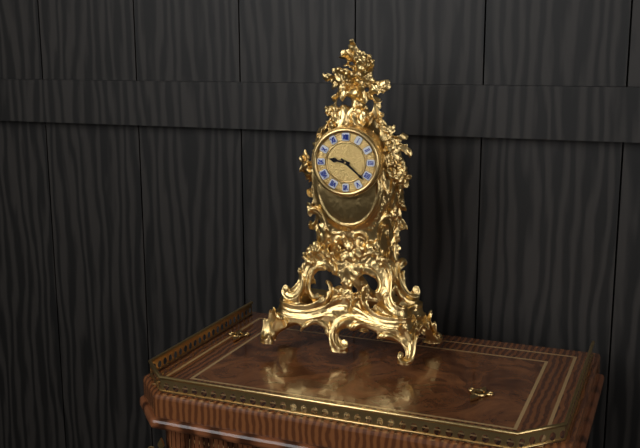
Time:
9:22
